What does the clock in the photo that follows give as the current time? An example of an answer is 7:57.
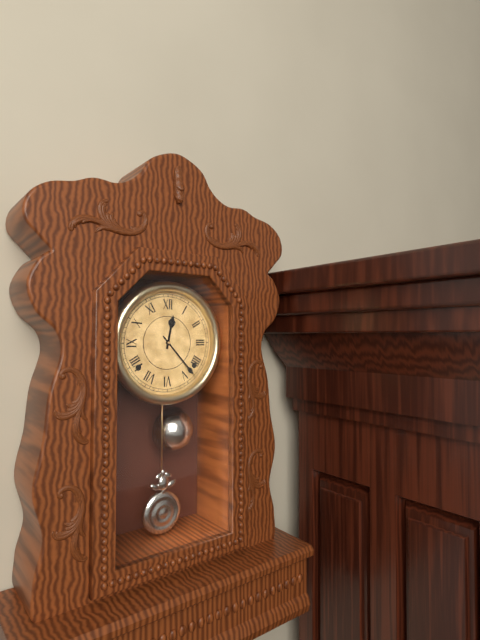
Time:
12:23
